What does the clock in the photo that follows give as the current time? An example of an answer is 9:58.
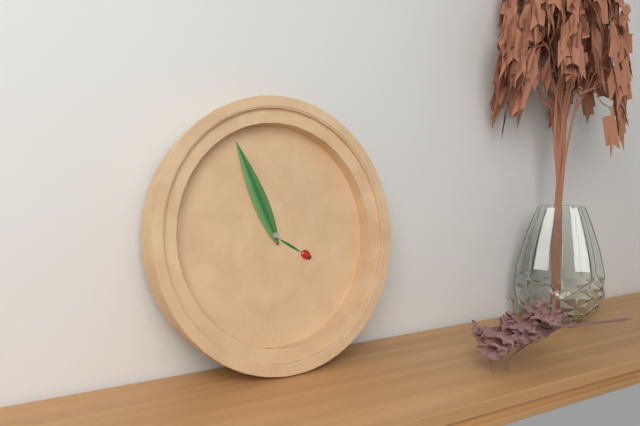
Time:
3:56
